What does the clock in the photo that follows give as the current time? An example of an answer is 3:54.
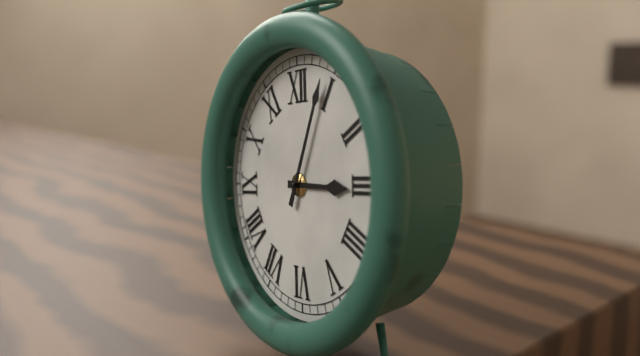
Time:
3:04
